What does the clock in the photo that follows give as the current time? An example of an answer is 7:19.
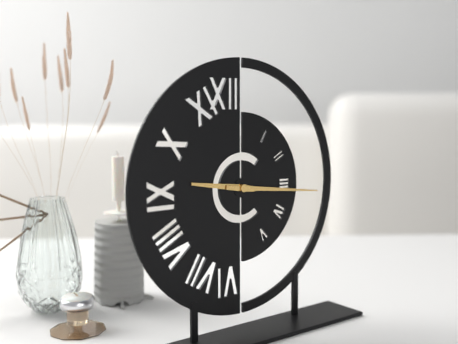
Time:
9:16
